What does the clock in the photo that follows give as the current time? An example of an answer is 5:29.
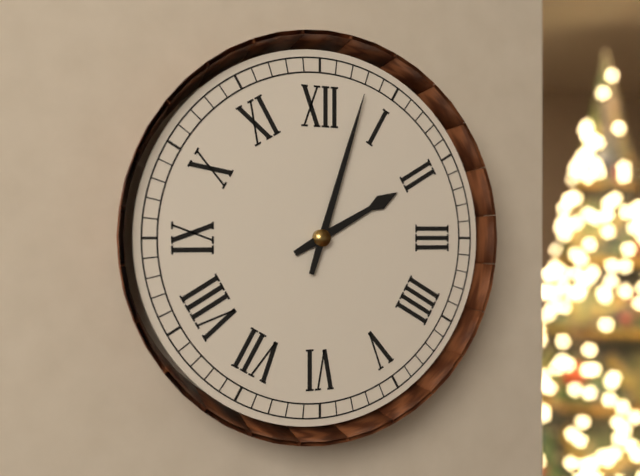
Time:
2:03
